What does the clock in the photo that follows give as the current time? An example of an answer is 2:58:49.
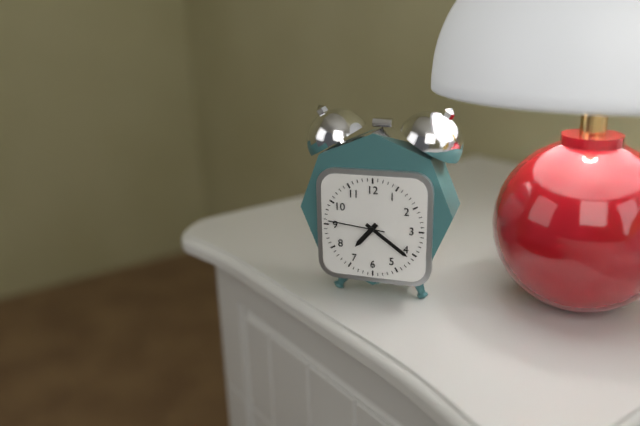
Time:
7:21:46
